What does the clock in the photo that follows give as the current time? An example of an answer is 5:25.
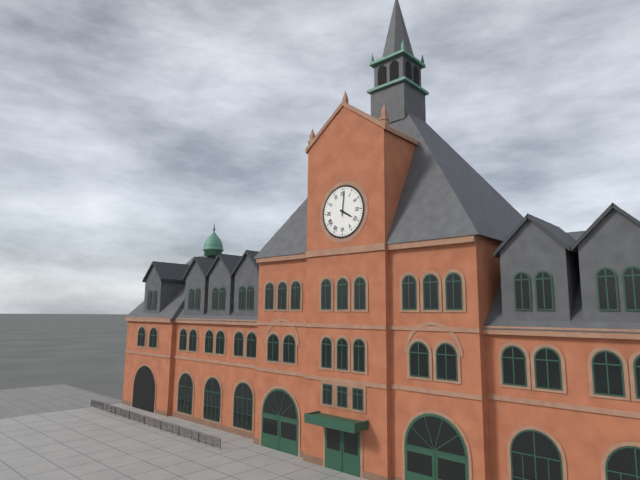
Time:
4:01
